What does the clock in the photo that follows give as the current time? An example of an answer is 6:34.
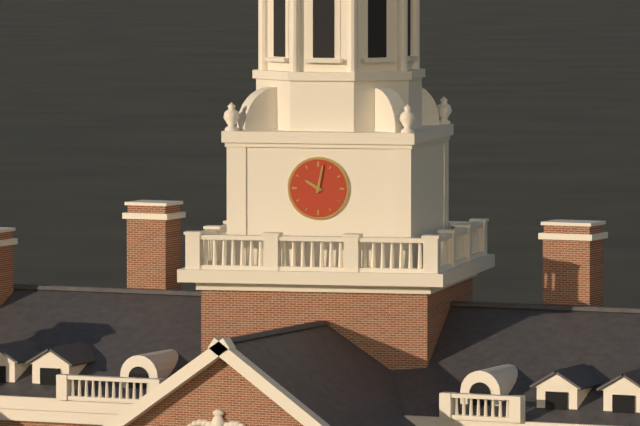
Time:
10:02
